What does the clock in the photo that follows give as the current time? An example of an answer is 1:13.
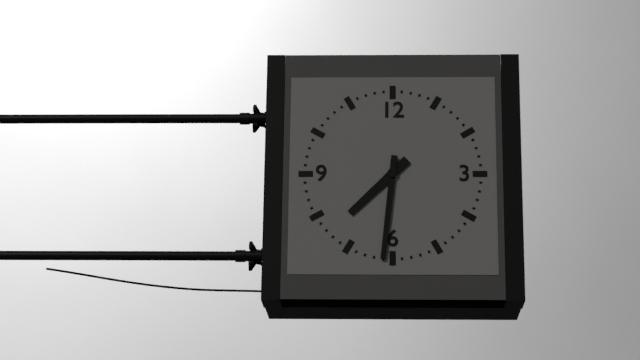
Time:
7:31
